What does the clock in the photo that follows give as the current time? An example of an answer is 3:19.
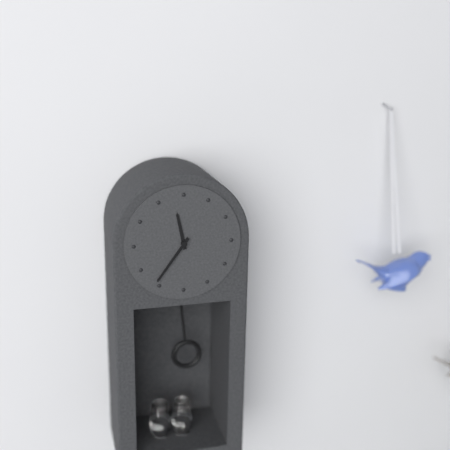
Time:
11:36
